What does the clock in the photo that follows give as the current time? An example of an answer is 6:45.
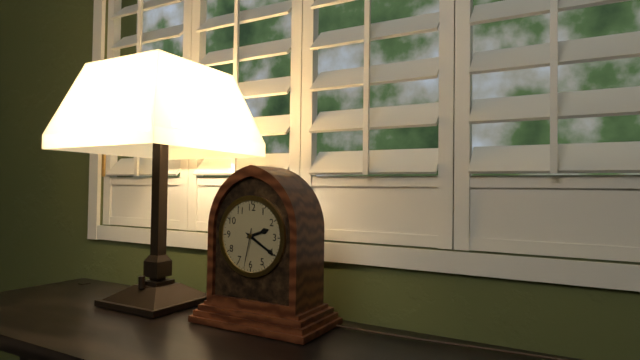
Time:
2:20
